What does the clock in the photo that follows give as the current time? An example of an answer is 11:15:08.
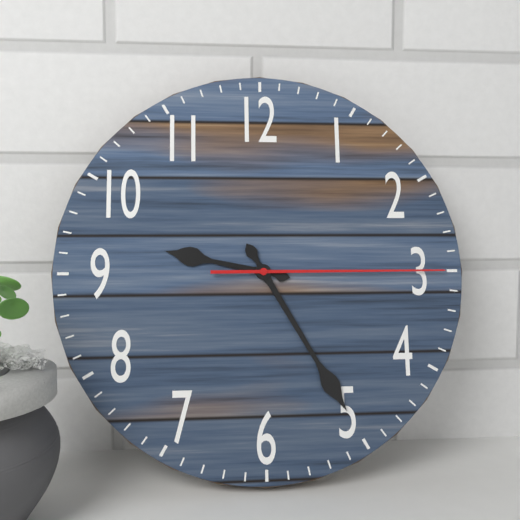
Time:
9:25:15
